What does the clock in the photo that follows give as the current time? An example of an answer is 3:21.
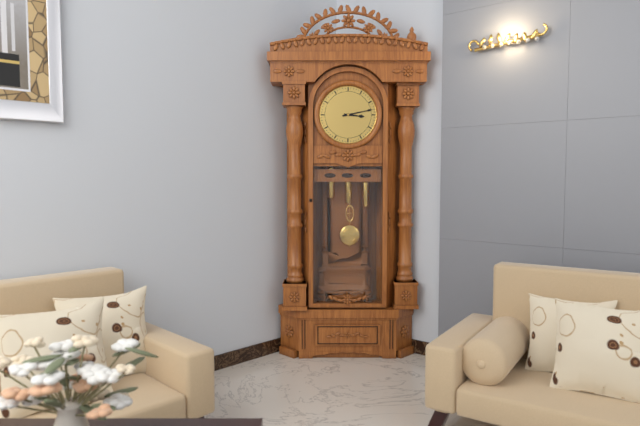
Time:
3:13
